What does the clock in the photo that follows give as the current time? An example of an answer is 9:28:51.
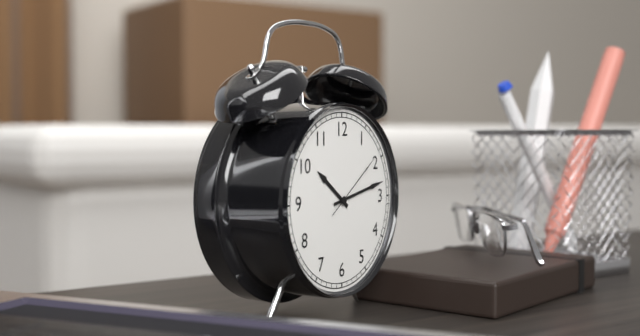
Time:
10:13:09
